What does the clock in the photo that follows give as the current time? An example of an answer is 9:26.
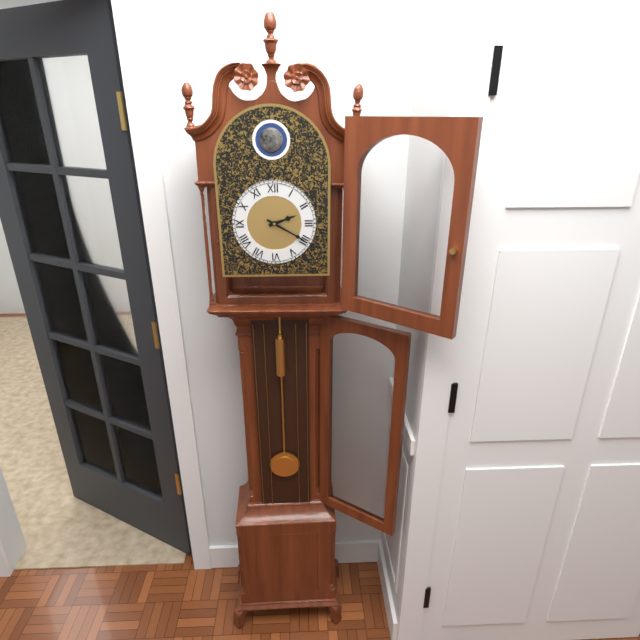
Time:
2:20
